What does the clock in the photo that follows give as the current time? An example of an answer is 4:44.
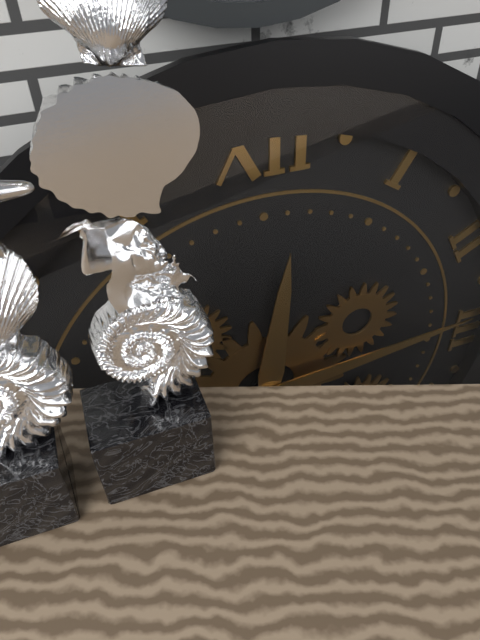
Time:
12:14
